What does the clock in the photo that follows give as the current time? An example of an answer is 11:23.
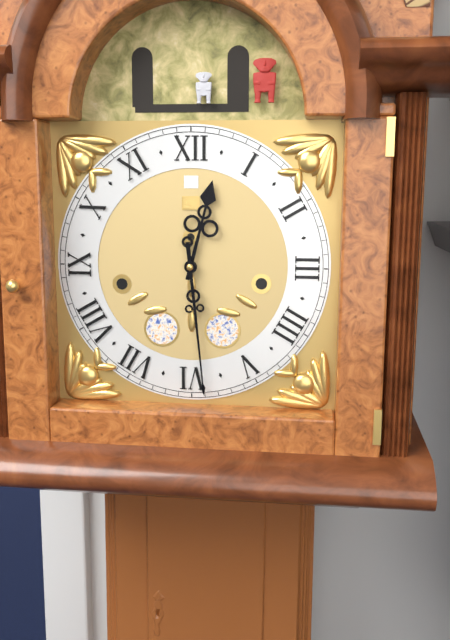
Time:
12:29
